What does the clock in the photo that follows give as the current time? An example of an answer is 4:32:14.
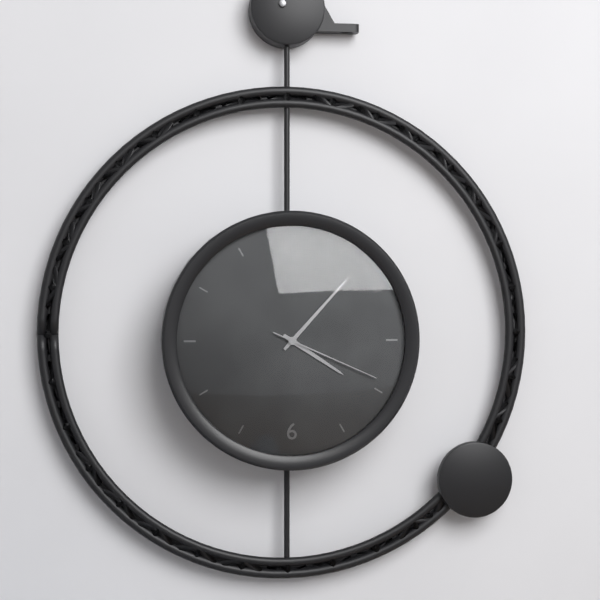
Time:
4:07:19
